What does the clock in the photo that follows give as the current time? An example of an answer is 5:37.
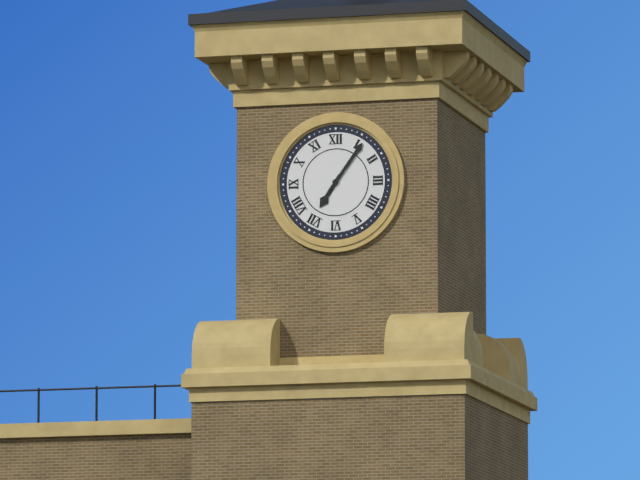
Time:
7:06
